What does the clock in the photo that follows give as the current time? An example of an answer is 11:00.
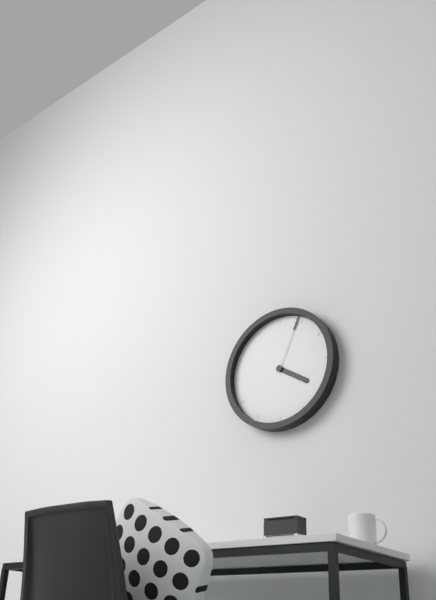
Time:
4:04
